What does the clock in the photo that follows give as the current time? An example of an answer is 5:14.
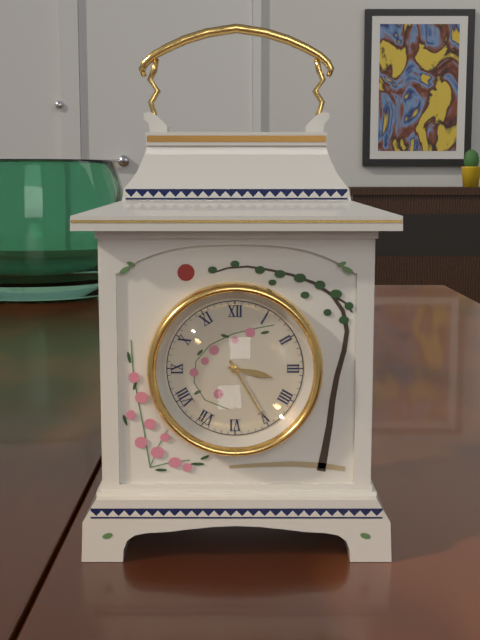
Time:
3:25
